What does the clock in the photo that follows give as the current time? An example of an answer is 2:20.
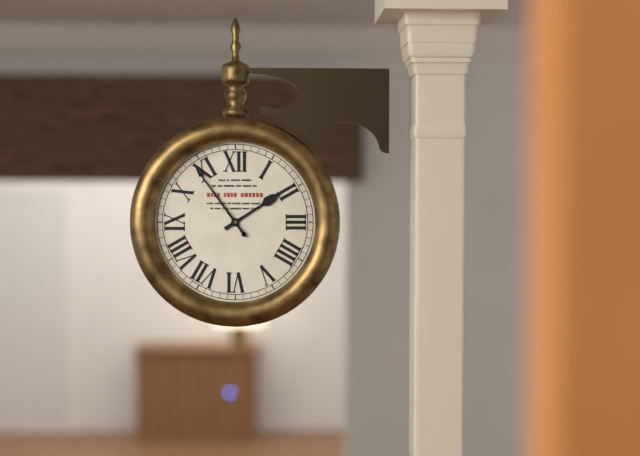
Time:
1:54
